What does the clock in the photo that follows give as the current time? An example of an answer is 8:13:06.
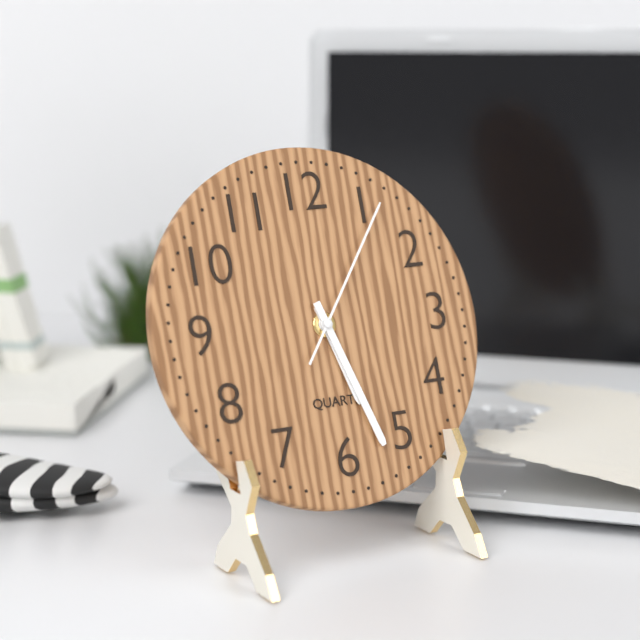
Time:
5:27:06
